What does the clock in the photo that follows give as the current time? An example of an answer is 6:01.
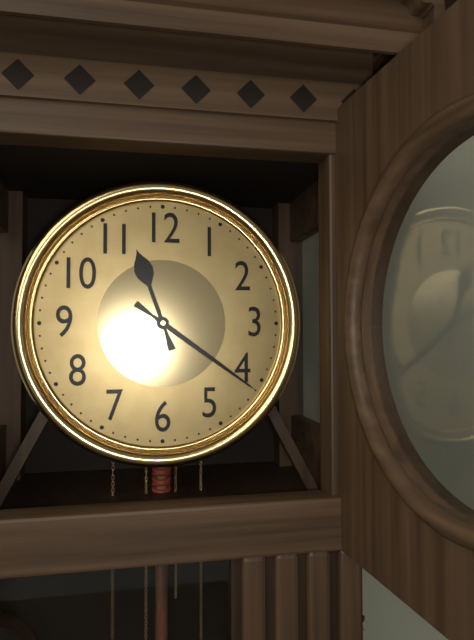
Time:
11:21
